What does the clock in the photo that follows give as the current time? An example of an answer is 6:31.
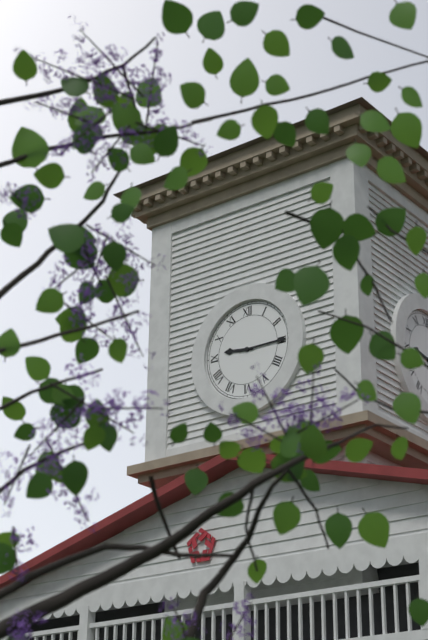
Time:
9:15
